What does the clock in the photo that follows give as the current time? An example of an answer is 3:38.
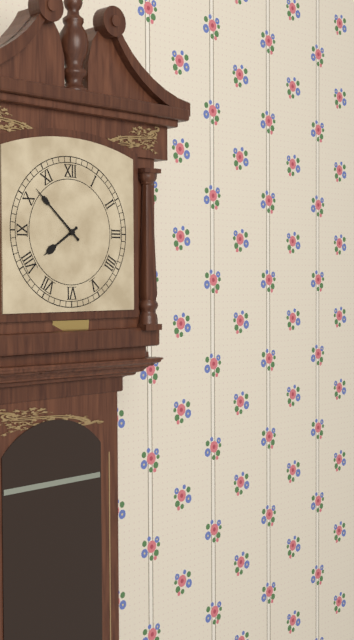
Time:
7:52
